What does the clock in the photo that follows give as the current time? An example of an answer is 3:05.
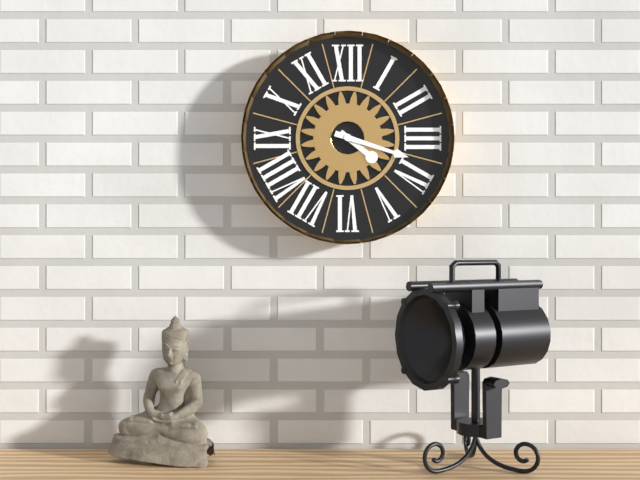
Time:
4:18
